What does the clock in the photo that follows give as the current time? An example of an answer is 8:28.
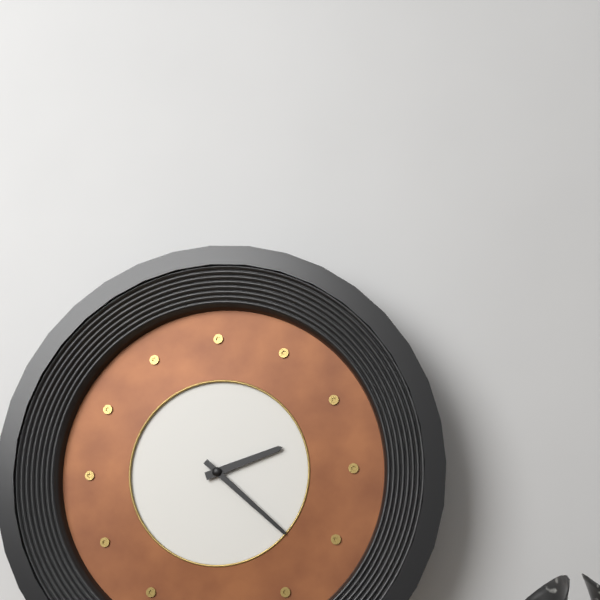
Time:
2:22
